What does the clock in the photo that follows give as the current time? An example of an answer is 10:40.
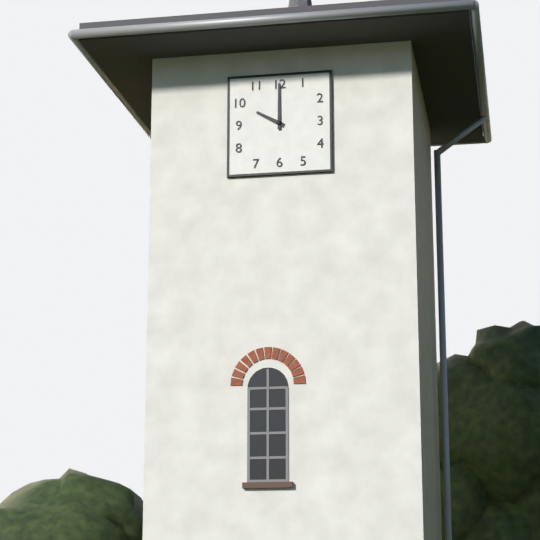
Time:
10:00
